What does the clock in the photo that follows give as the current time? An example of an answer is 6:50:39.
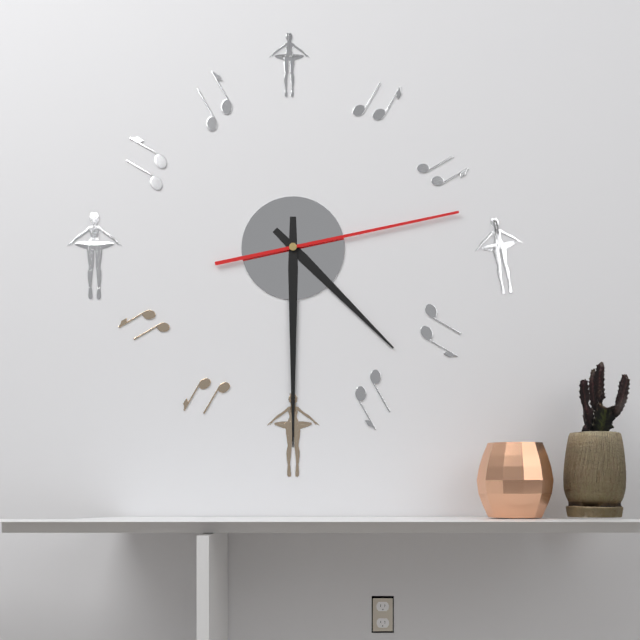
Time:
4:30:13
